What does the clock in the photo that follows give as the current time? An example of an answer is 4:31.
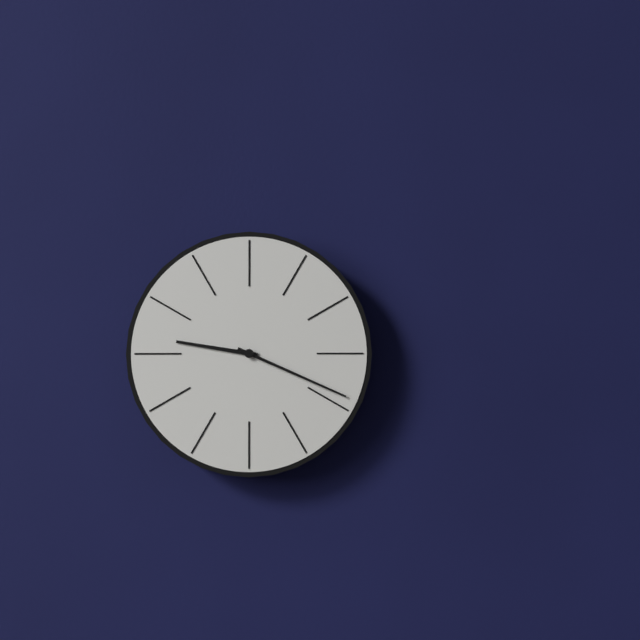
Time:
9:19
